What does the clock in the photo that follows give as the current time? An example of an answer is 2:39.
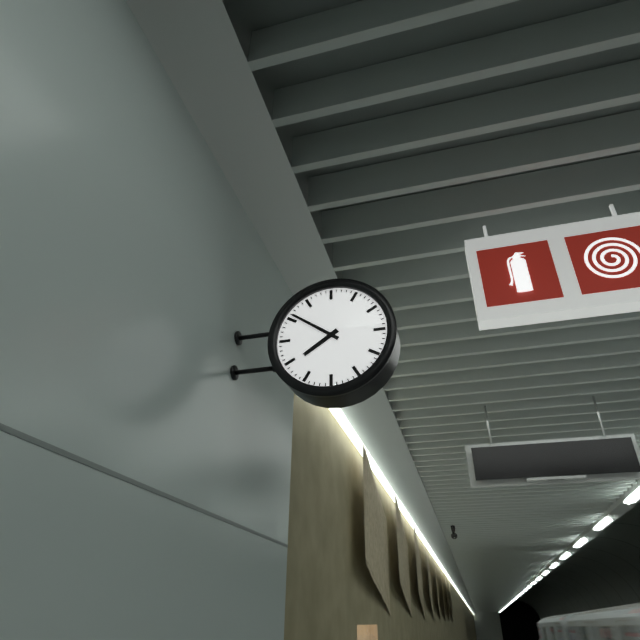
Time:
7:51
